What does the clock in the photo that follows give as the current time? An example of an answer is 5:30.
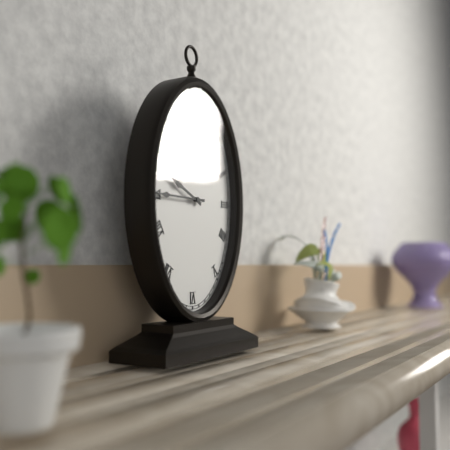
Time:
9:45
